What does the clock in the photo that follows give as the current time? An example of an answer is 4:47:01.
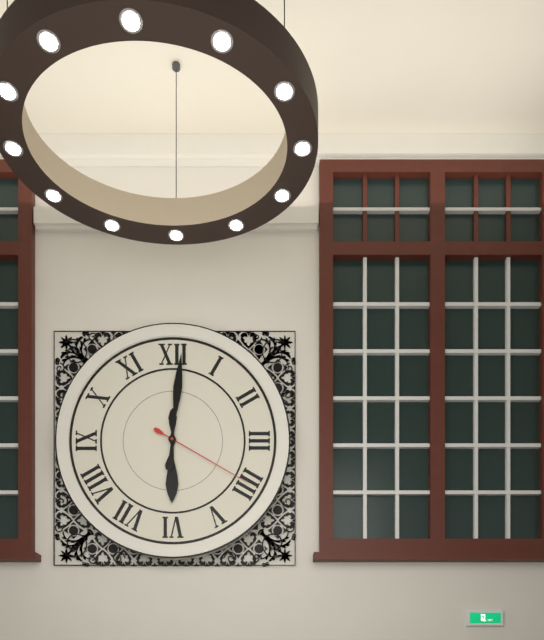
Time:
6:01:20
